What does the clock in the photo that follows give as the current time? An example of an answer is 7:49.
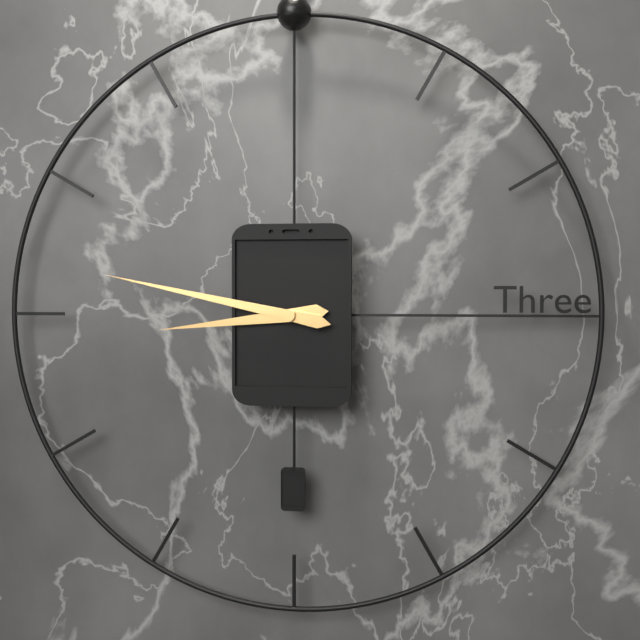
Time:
8:47
